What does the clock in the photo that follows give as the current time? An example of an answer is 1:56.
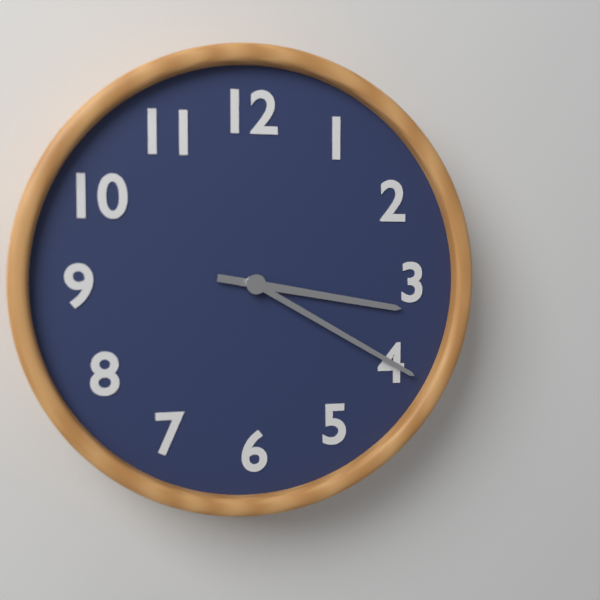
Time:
3:20
